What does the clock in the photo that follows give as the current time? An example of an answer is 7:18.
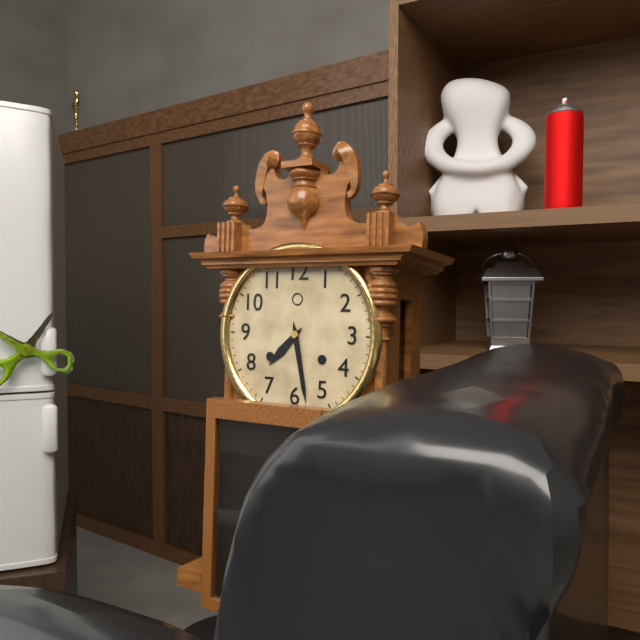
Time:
7:28
